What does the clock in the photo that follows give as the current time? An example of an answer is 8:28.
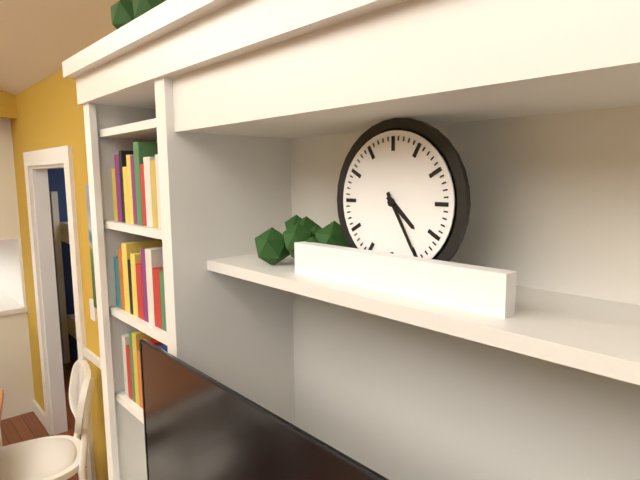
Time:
4:25
